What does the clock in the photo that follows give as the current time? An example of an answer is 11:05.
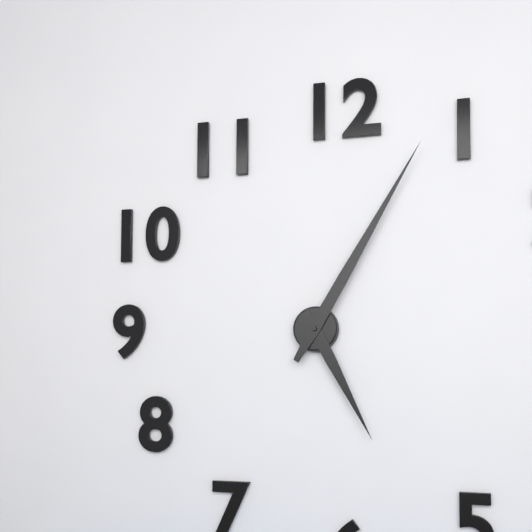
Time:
5:05
